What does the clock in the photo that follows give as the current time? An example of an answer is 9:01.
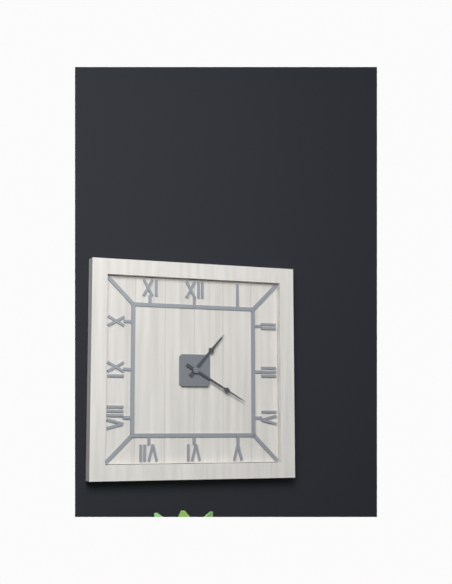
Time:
1:20
